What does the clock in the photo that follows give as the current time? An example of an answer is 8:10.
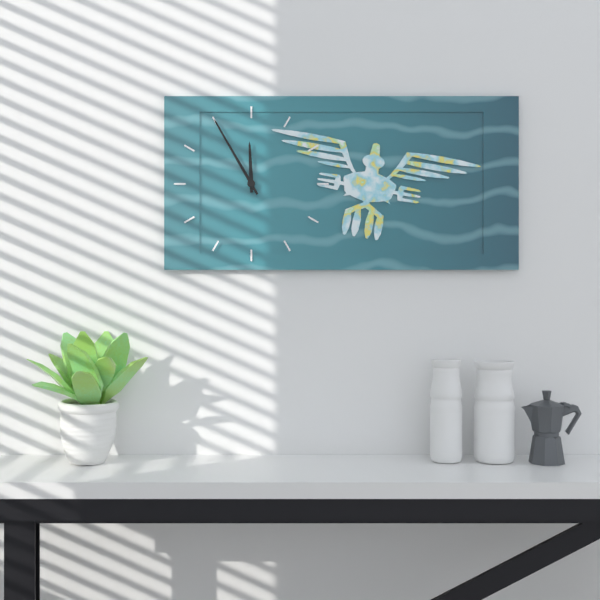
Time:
11:55
